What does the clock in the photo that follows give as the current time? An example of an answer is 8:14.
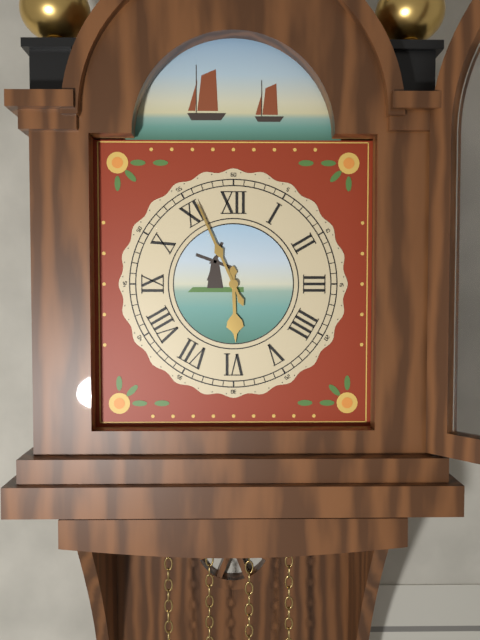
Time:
5:56
